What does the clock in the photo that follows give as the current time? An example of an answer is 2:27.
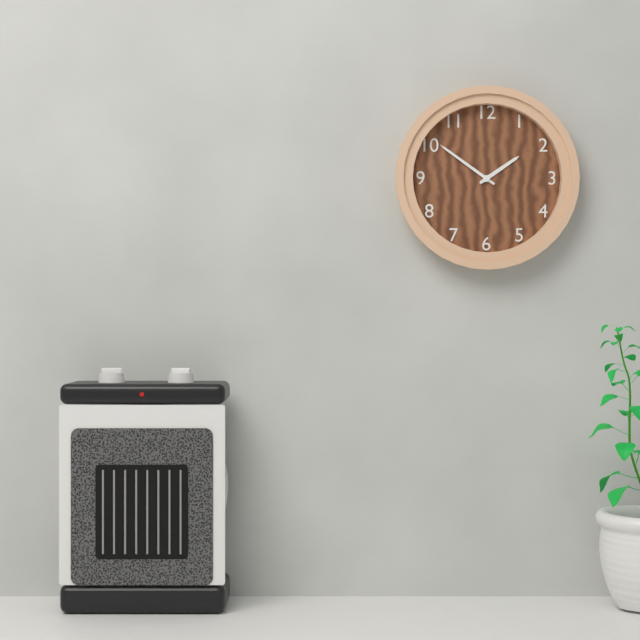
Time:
1:51
